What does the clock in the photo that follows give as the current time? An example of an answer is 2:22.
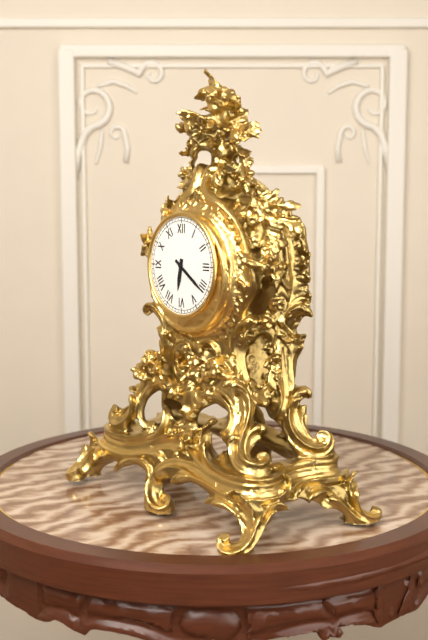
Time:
6:21
